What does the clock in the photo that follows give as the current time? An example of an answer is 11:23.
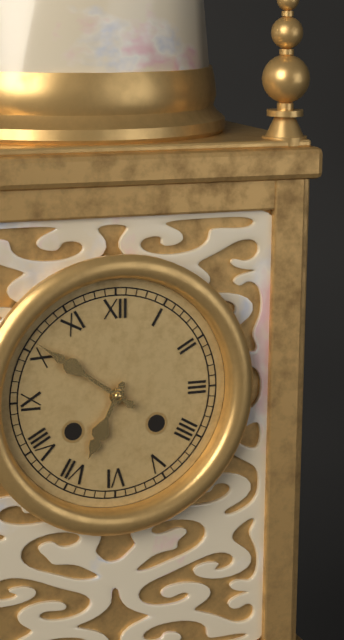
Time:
6:51
